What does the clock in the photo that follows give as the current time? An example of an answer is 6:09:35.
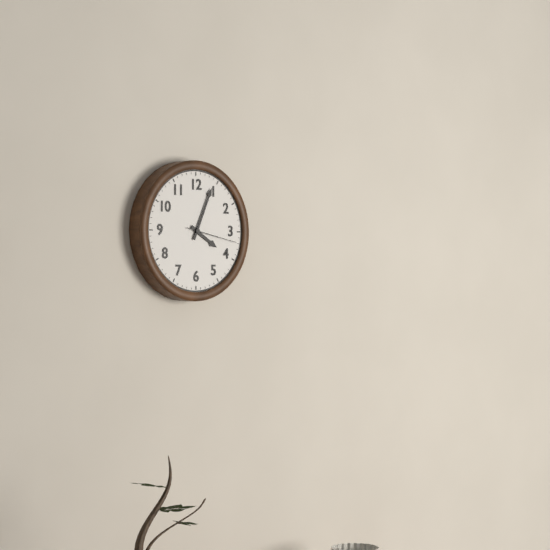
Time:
4:04:17
